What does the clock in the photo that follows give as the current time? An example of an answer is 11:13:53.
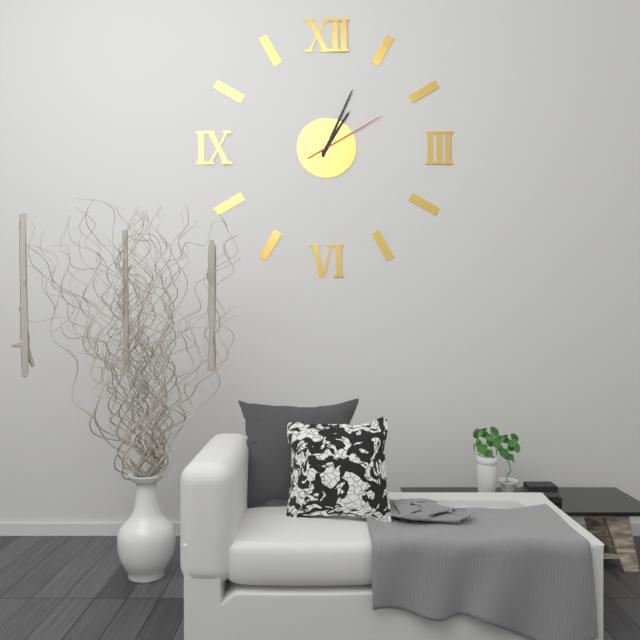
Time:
1:04:10
